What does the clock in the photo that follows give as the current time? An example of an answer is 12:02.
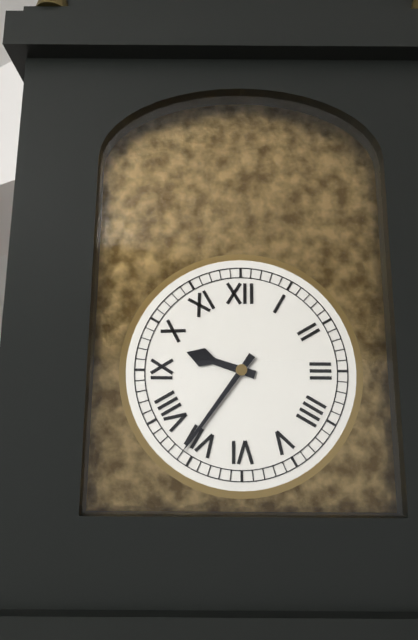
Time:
9:36
